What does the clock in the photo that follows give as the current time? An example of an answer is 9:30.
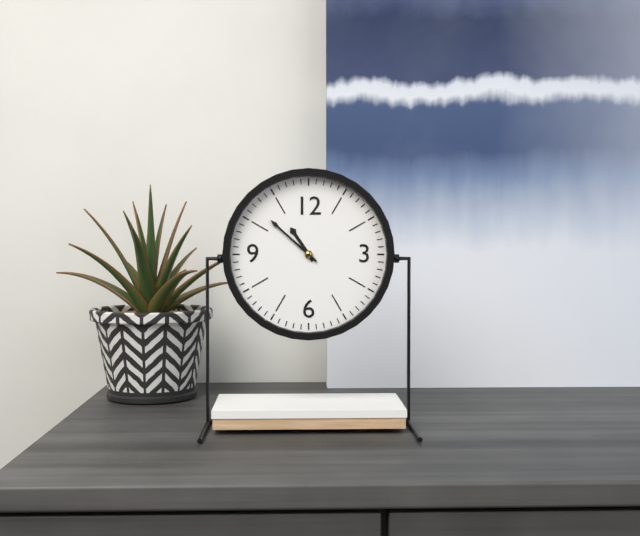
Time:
10:52
